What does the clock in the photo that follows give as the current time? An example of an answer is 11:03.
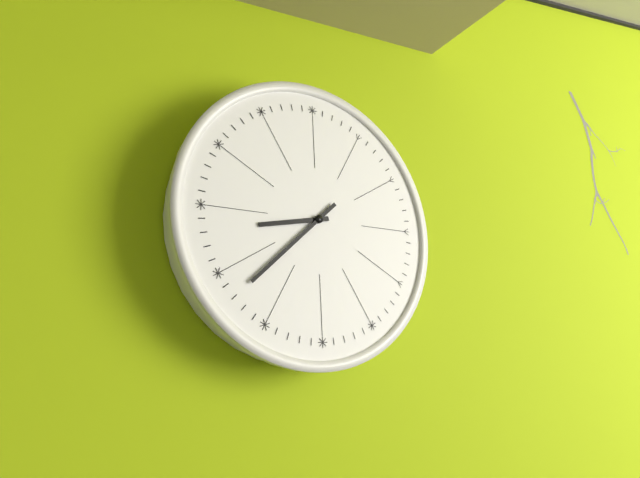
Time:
8:38
